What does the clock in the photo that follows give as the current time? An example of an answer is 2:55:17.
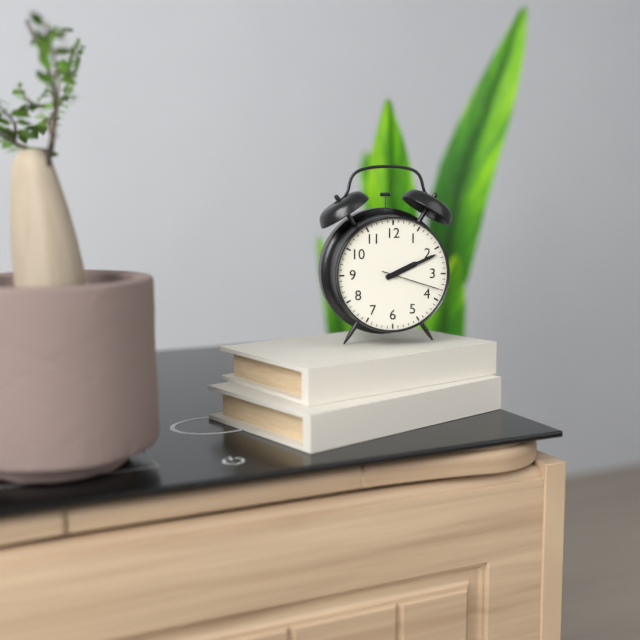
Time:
2:11:18
